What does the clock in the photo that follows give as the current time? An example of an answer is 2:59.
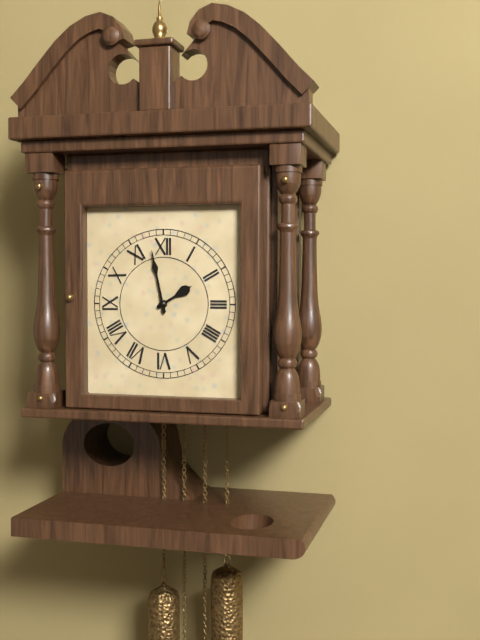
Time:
1:58
